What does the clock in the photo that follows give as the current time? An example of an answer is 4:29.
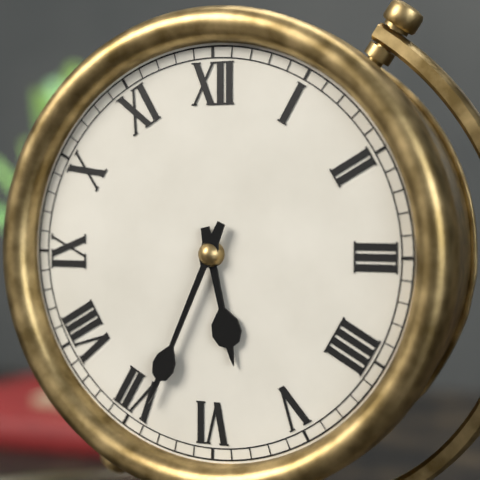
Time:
5:34
